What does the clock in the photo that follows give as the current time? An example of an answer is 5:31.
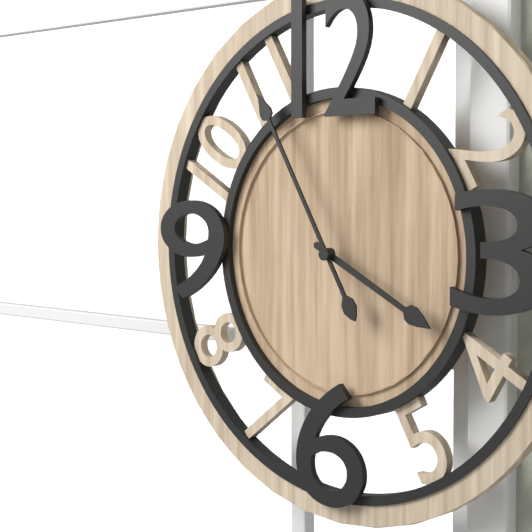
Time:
3:55
